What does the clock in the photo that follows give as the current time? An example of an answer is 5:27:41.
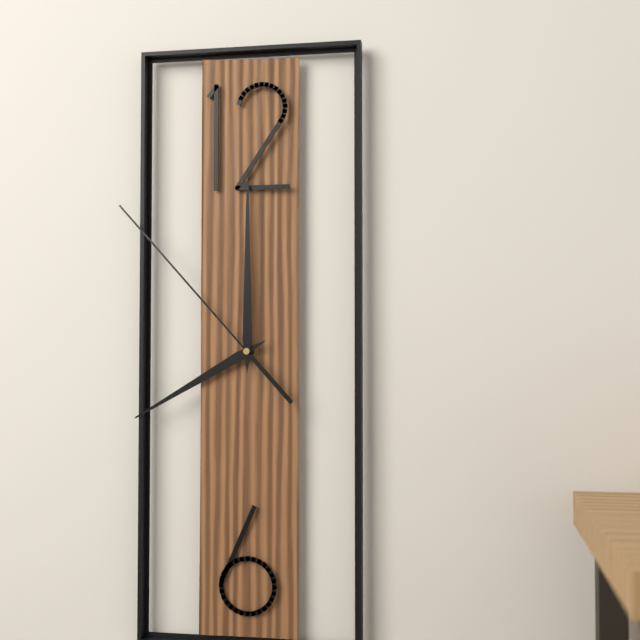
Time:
8:00:53
